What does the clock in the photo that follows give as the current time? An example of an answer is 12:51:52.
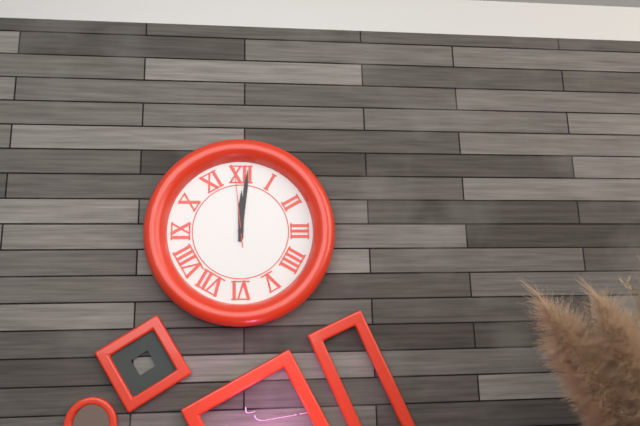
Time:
12:01:59
